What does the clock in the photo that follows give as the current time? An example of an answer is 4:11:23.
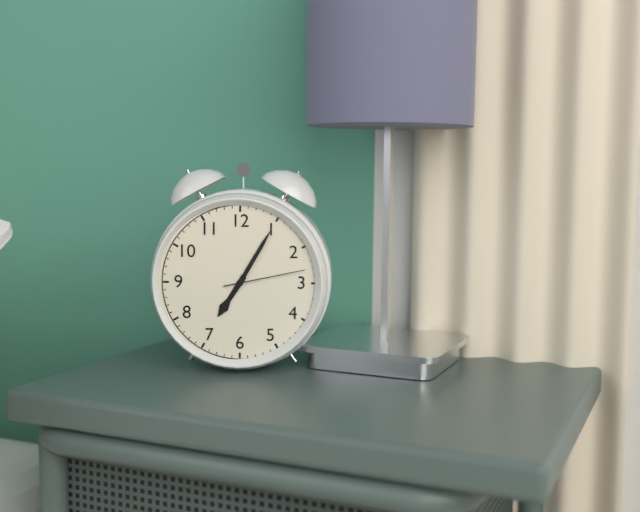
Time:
7:05:13
